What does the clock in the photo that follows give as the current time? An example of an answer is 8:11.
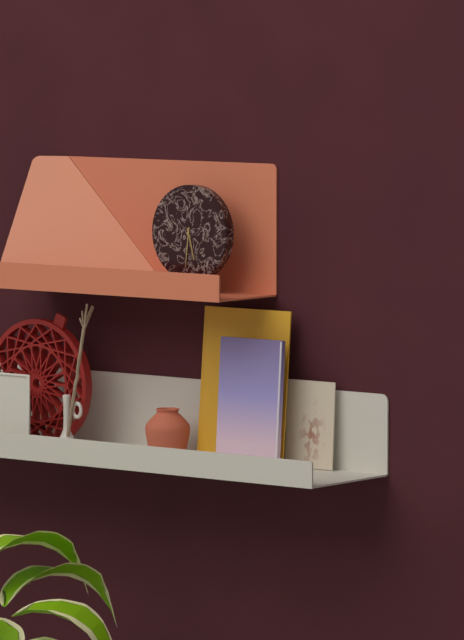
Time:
5:31
